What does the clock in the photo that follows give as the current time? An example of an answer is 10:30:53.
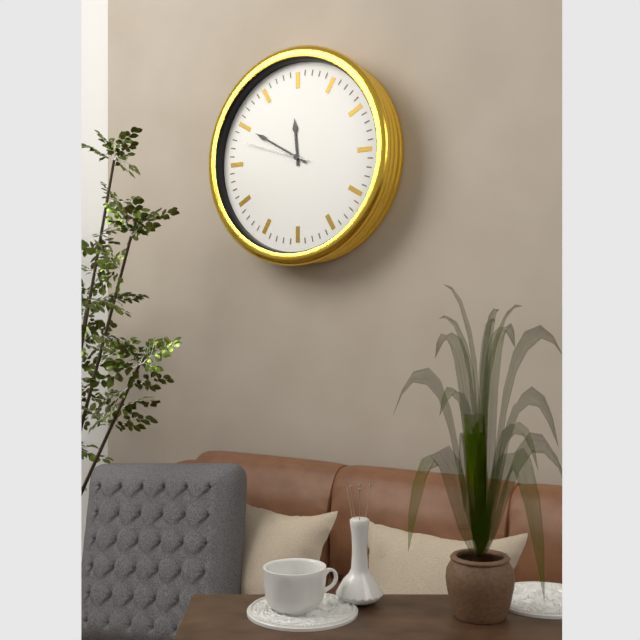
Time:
11:50:48
